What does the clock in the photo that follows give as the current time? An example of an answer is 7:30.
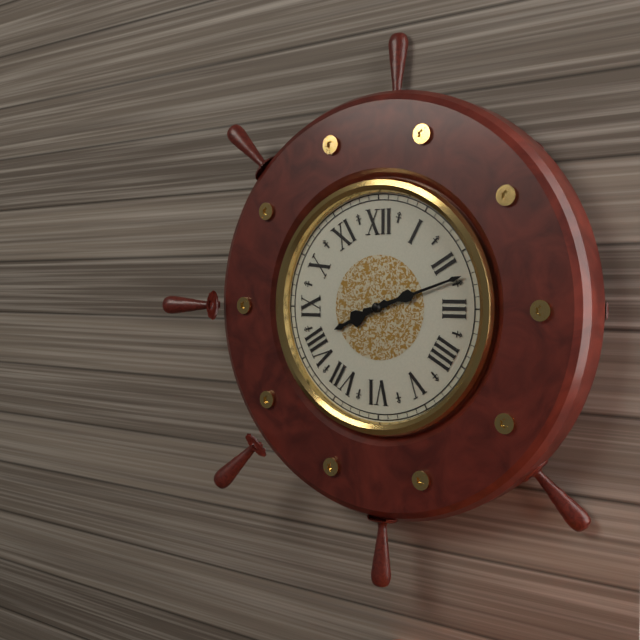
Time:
8:12
